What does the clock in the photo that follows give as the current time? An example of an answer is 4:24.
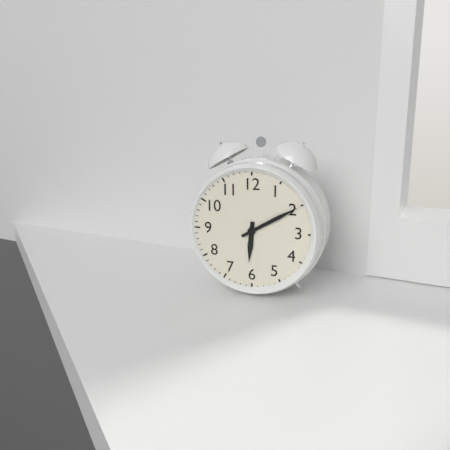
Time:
6:10
